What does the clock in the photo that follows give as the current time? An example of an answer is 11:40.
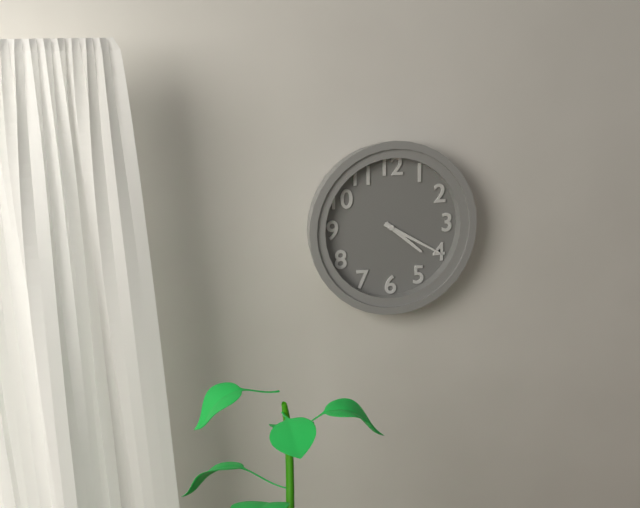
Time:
4:20
